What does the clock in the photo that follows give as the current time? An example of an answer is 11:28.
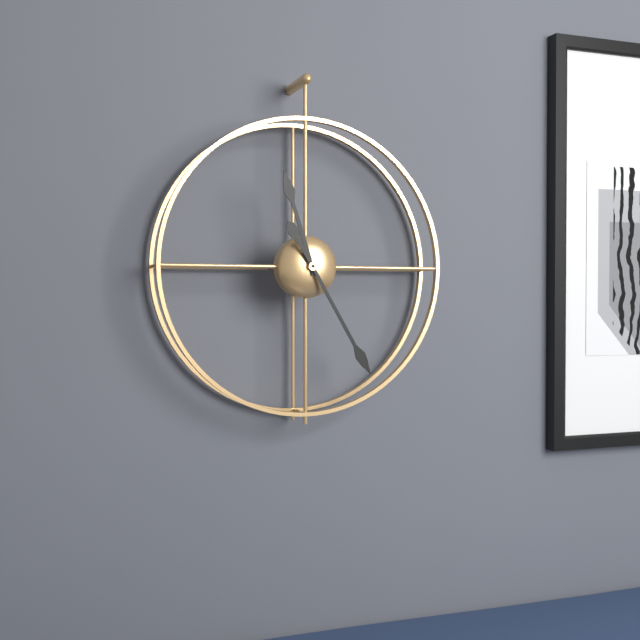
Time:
11:25
